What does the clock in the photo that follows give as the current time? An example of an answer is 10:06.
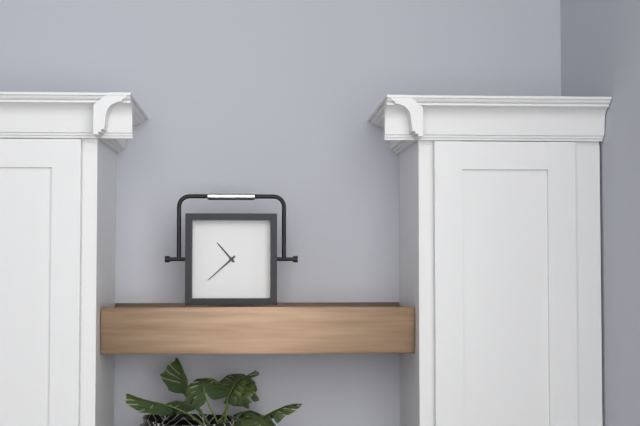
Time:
10:38
